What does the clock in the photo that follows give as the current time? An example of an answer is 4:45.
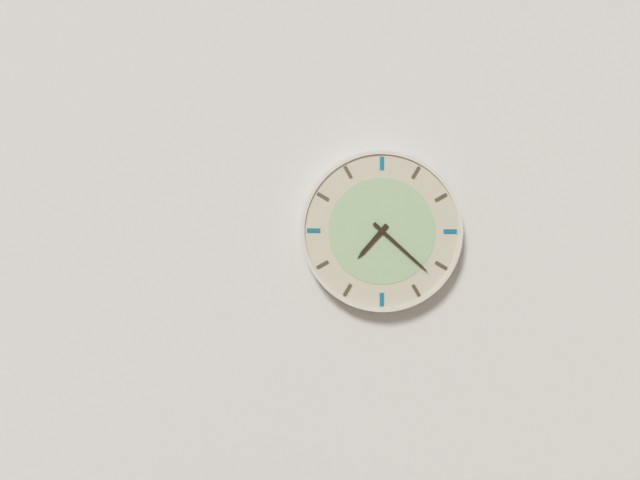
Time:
7:22
